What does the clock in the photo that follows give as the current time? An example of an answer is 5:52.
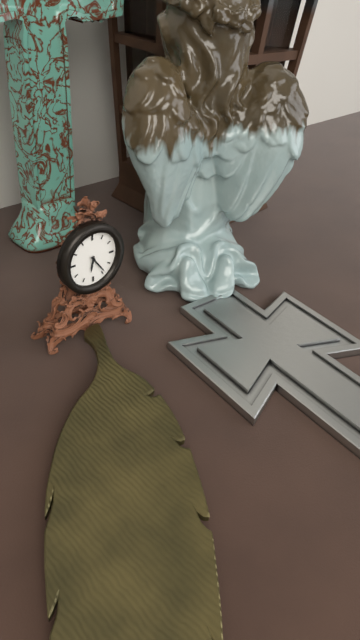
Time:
6:24
